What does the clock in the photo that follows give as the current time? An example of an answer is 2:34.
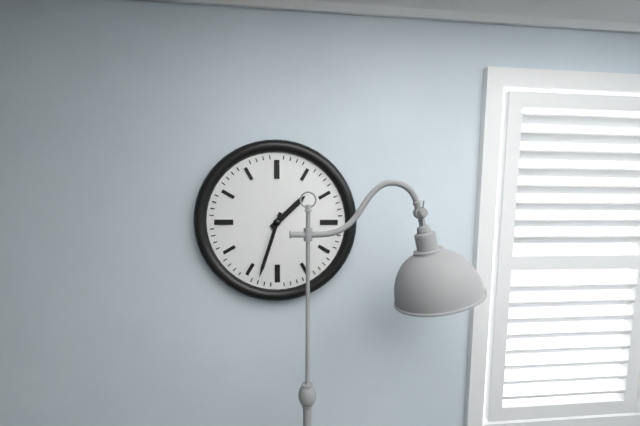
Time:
1:33
